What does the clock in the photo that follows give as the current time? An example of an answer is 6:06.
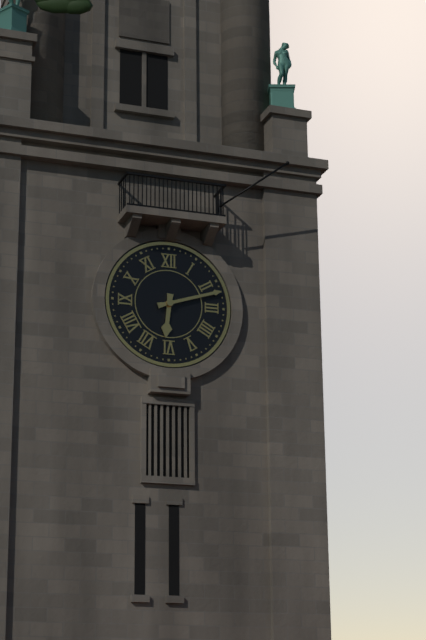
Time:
6:12
